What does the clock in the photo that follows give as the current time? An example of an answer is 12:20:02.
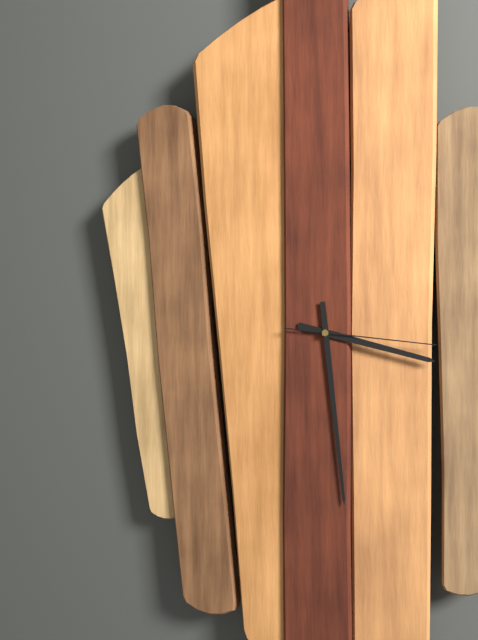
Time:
3:29:16
